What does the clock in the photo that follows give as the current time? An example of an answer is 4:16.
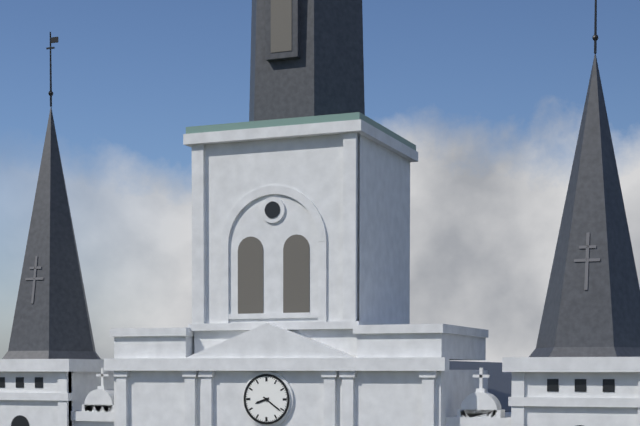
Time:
8:21
